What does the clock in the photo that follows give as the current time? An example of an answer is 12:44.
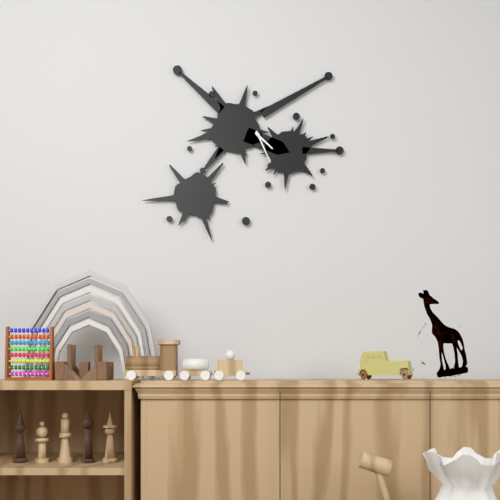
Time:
4:26
